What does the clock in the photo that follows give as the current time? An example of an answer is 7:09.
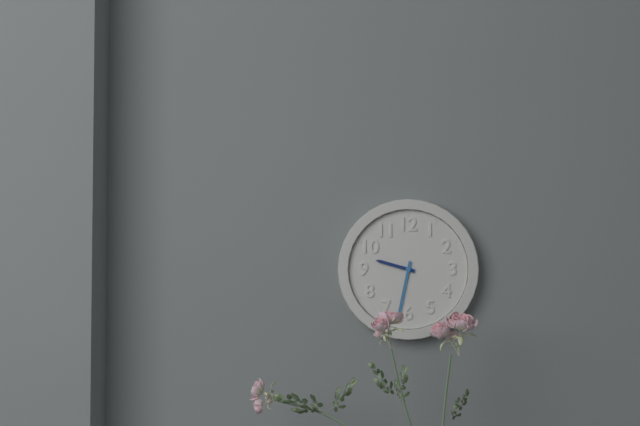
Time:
9:32
